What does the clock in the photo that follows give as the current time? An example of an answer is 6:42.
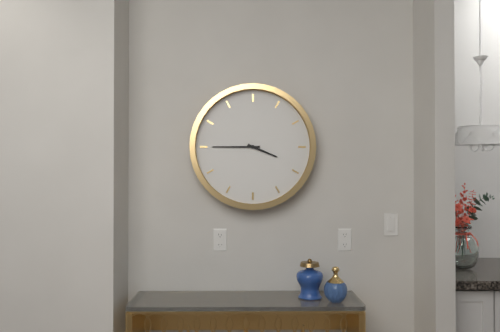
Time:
3:45
